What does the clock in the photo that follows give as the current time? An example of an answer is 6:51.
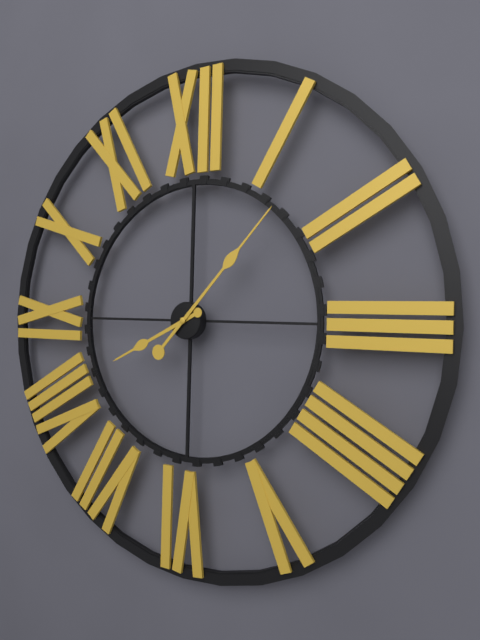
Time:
8:07
